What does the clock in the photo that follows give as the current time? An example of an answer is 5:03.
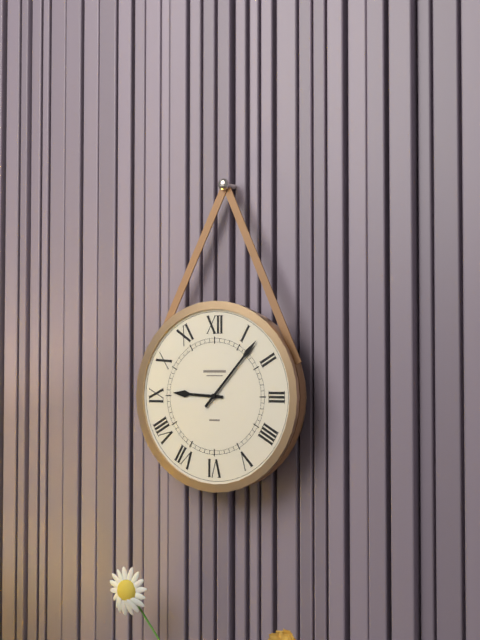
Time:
9:07
